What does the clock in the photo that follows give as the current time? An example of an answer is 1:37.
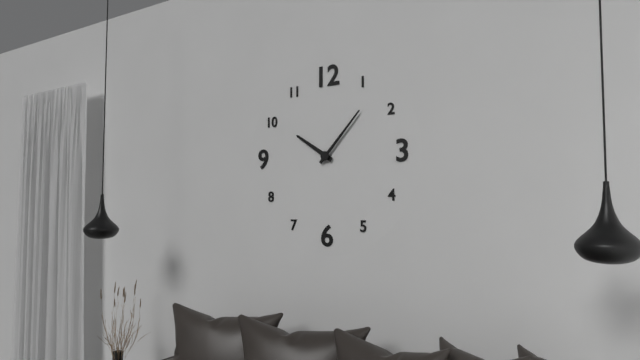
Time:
10:07
